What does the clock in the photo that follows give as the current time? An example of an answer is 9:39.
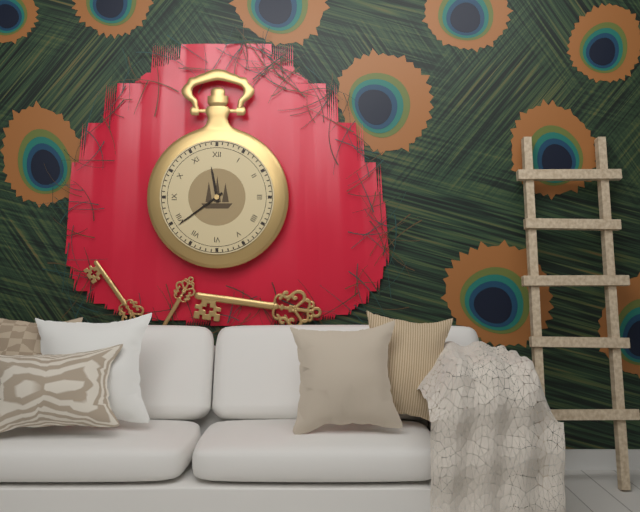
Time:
11:39
